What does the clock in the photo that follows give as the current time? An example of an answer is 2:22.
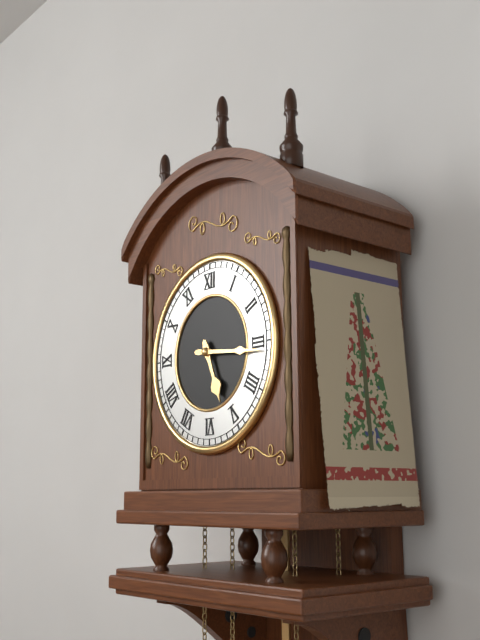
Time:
5:16
